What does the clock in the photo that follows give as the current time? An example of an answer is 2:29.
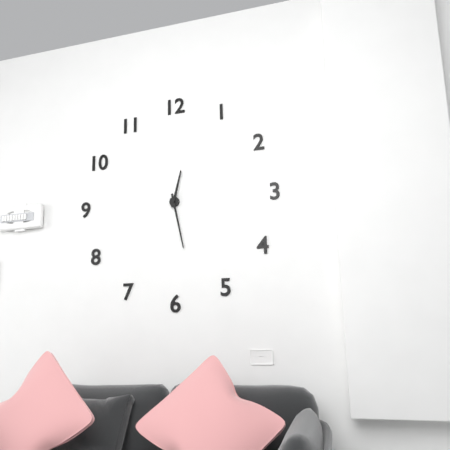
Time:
12:28
